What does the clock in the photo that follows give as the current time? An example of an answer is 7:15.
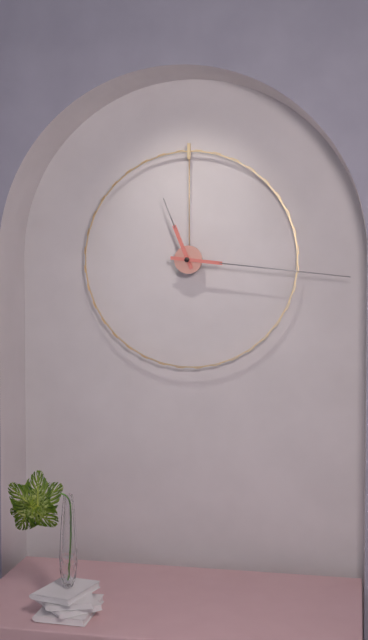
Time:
11:16
